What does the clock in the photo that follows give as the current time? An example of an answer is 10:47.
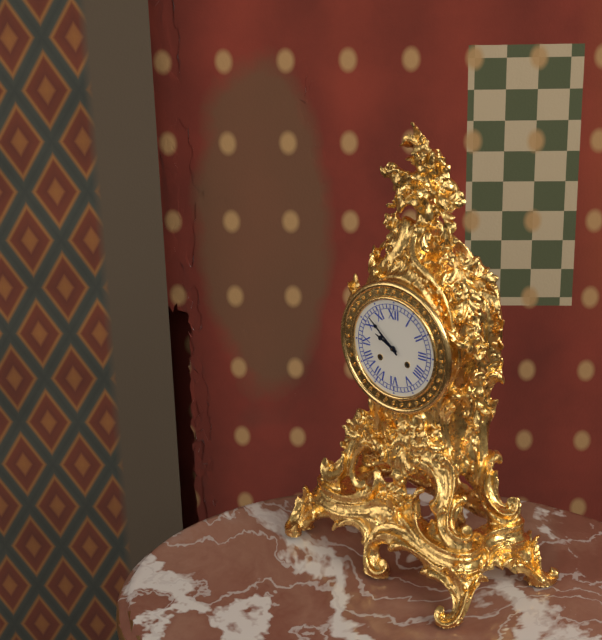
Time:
9:52
